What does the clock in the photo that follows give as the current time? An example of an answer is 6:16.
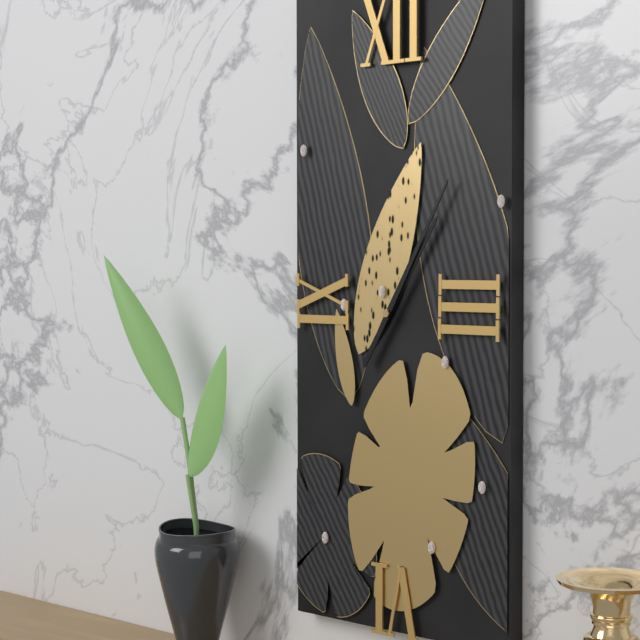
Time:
1:05
